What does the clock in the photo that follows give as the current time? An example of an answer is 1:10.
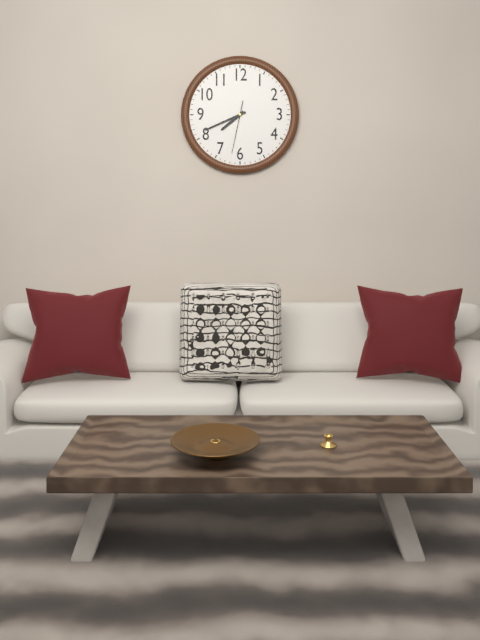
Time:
7:41
